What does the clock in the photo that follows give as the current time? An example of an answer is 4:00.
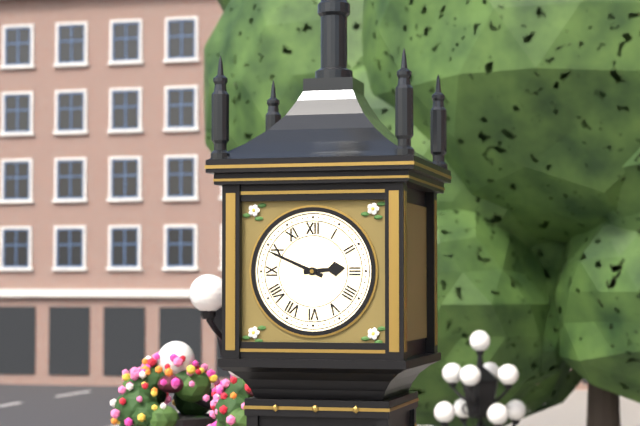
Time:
2:49
